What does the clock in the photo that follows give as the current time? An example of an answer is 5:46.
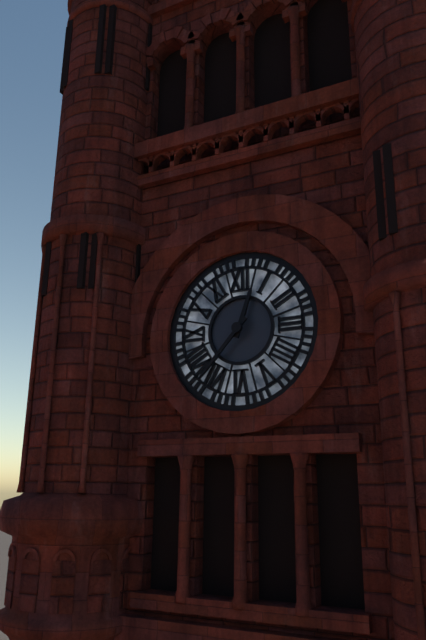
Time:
12:37
